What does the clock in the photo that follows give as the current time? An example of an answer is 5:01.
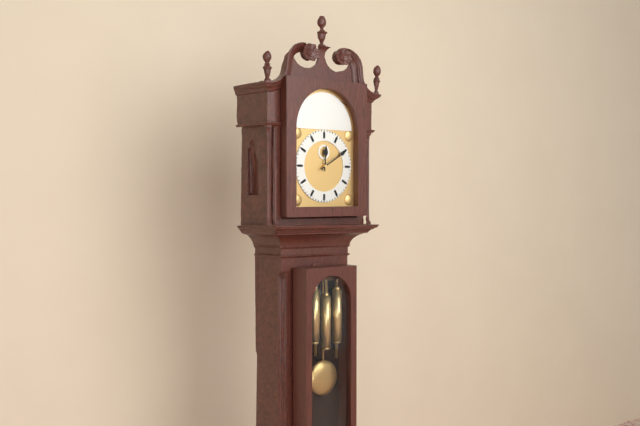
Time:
12:10
